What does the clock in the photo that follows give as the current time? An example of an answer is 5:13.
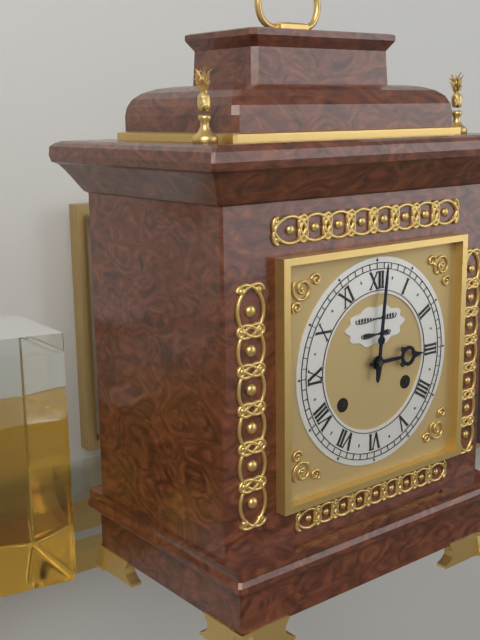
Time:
3:01
